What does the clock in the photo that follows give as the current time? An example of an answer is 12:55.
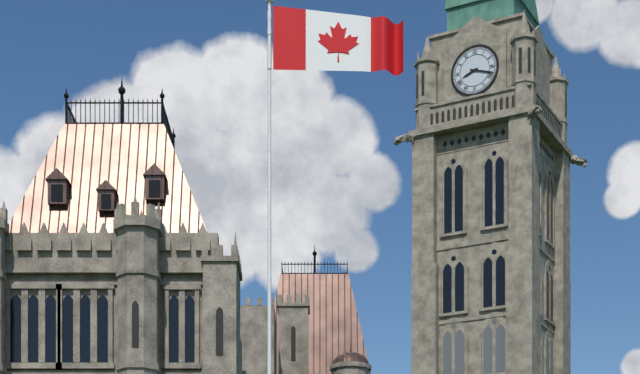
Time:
8:18
